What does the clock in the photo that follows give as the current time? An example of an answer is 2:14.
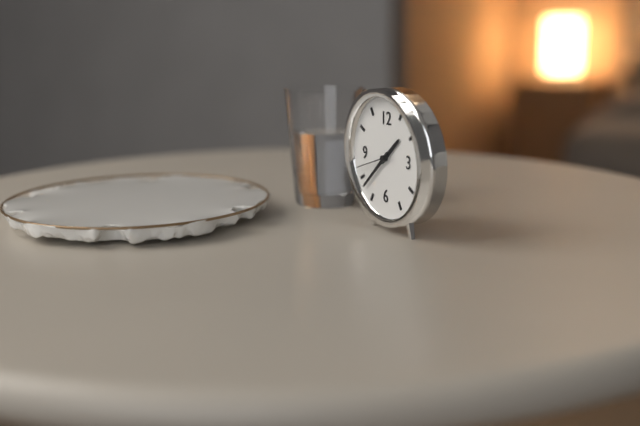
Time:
1:38
